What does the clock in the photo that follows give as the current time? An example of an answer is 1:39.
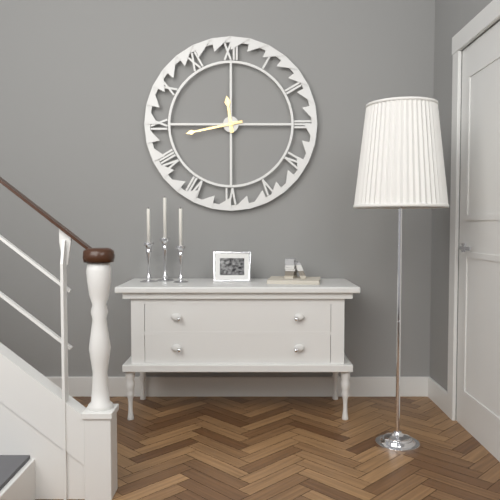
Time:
11:43
